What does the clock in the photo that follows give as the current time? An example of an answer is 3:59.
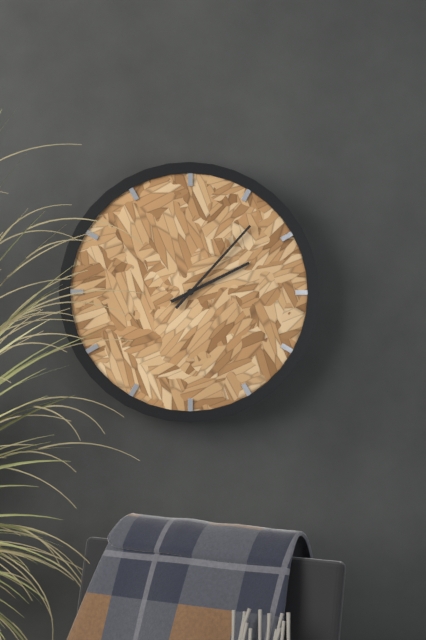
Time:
2:07
